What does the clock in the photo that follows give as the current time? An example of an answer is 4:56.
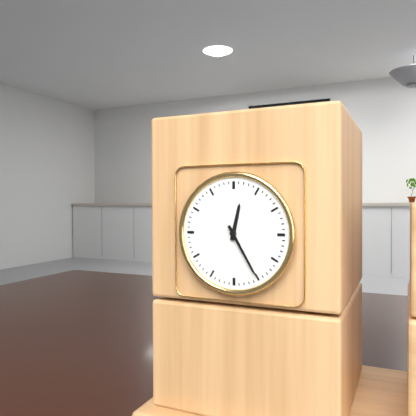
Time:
12:25
